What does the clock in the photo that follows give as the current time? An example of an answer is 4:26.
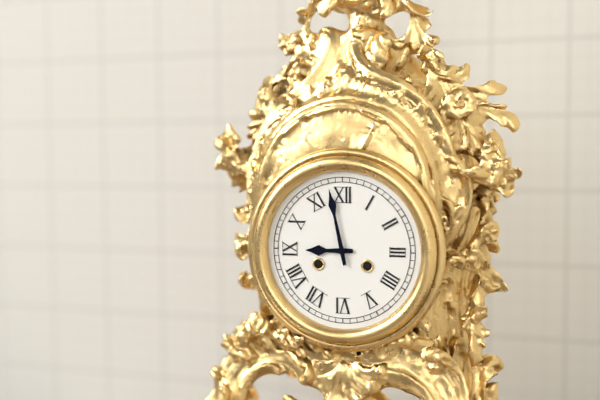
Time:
8:58
